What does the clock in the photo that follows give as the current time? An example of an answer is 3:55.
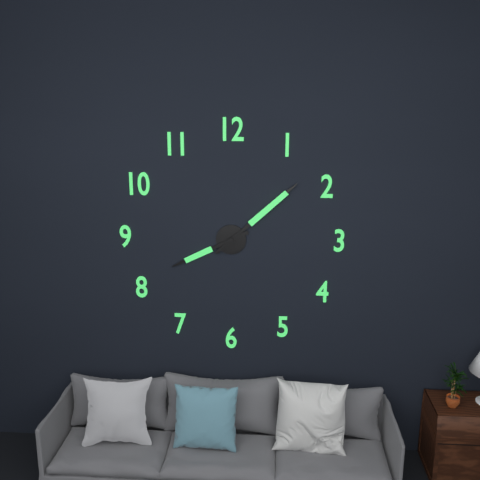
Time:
8:08
